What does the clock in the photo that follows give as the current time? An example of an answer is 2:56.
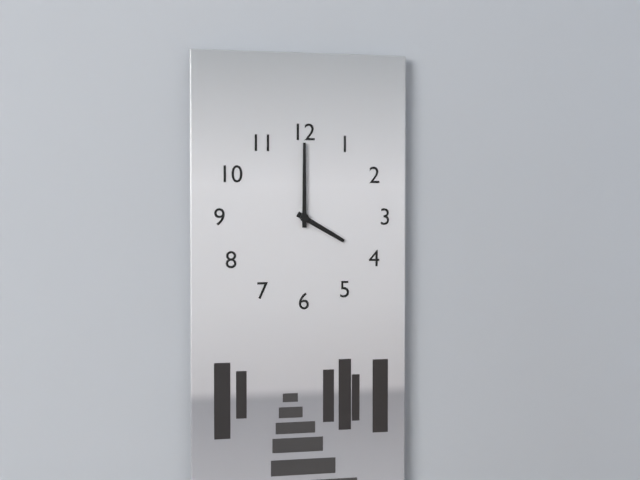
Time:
4:00
